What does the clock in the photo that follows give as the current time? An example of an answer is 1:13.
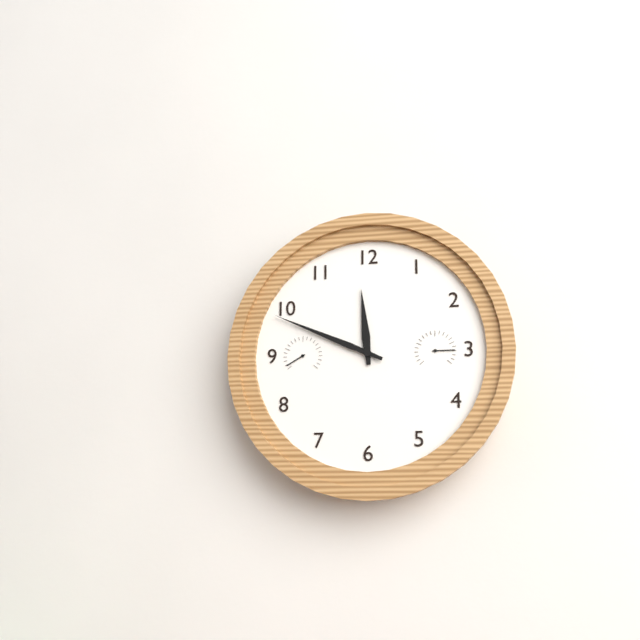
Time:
11:49
